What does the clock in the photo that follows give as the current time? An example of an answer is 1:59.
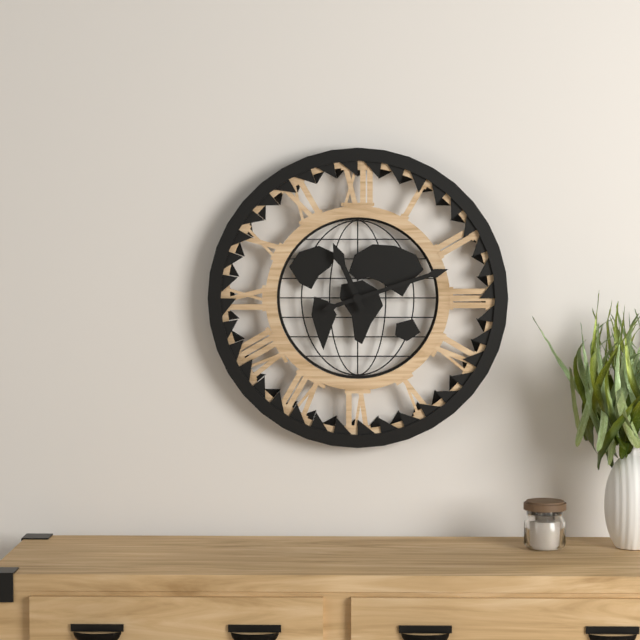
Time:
11:12
